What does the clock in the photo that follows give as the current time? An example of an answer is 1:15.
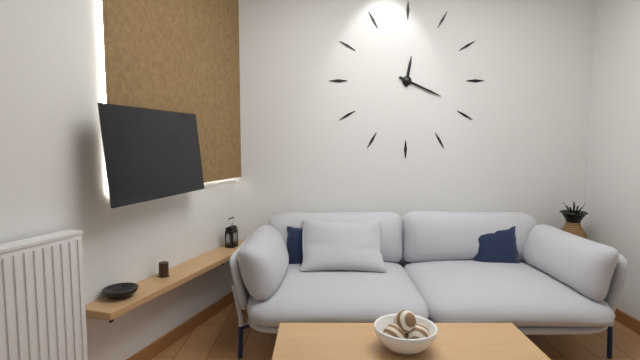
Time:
12:19
